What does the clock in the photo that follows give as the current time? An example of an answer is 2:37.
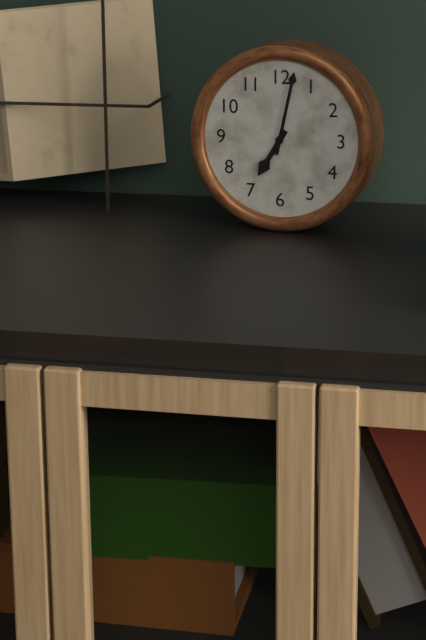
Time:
7:02
